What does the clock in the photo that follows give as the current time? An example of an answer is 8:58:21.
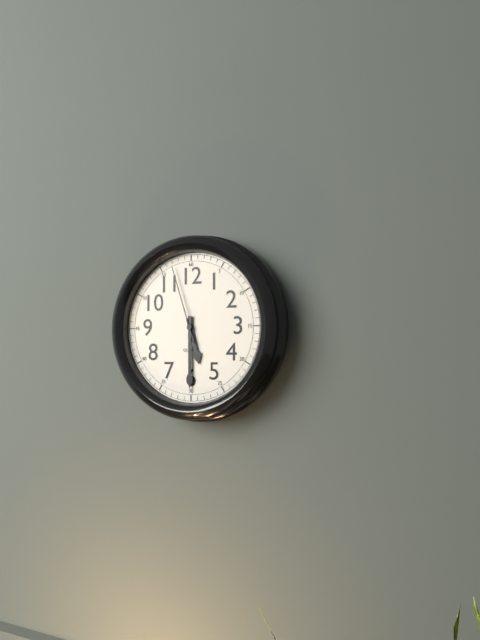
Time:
5:30:57
